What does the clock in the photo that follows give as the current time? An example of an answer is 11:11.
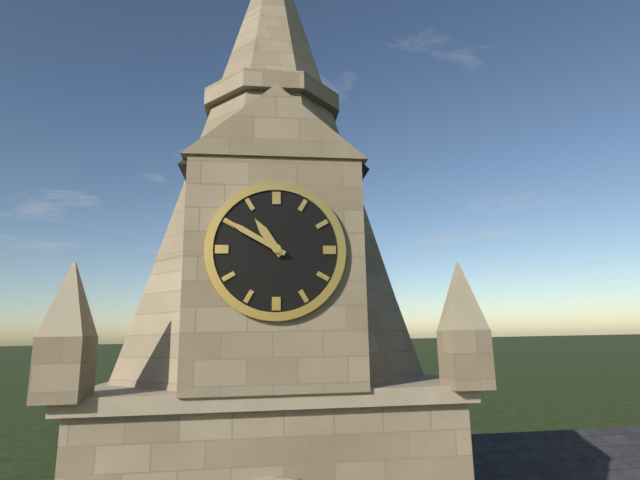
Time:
10:50
